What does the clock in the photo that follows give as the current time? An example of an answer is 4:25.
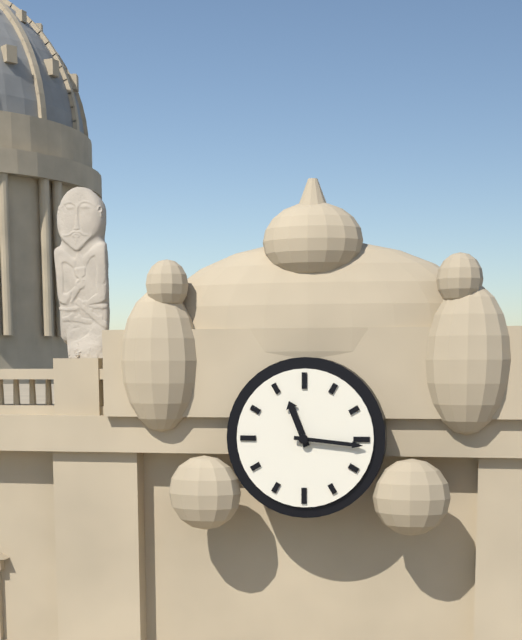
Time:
11:16
